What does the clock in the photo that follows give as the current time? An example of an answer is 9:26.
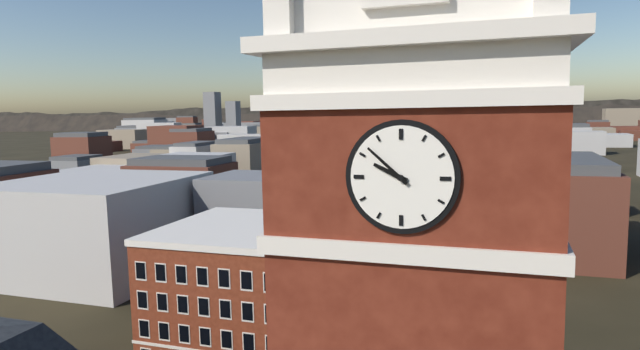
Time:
9:52
